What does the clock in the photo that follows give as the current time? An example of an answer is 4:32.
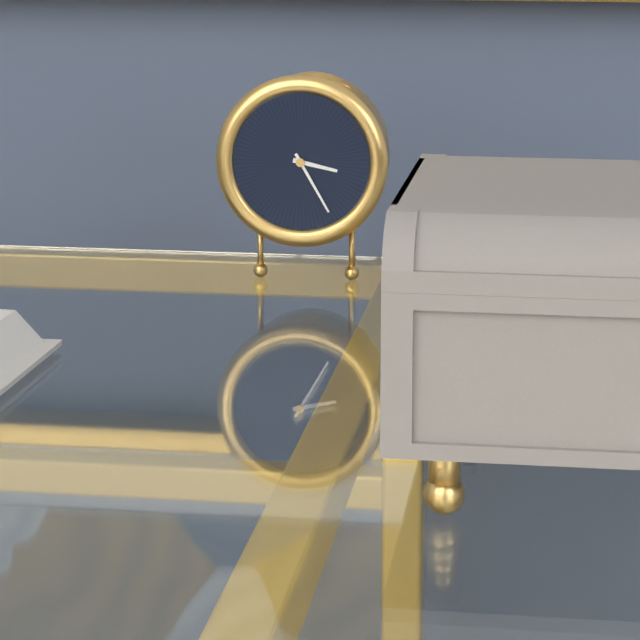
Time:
3:25
